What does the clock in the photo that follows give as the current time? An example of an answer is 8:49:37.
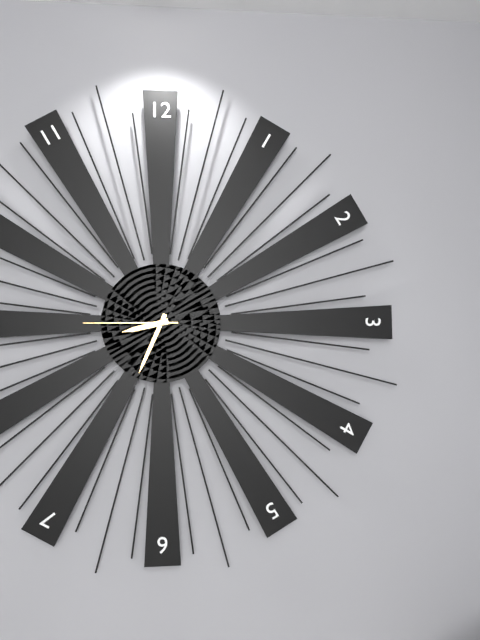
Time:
8:34:45
